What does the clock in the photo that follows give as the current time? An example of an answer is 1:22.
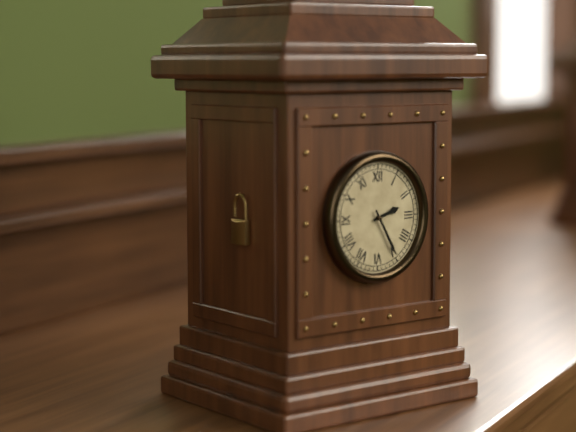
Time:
2:25
